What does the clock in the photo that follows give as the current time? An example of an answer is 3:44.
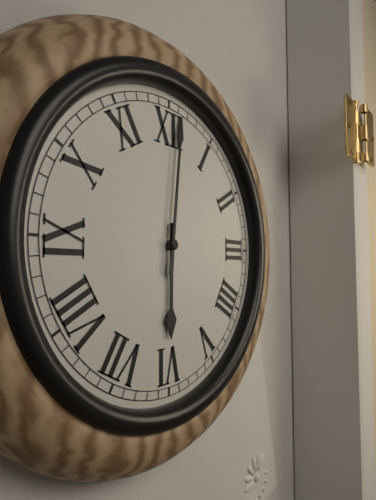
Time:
6:01
